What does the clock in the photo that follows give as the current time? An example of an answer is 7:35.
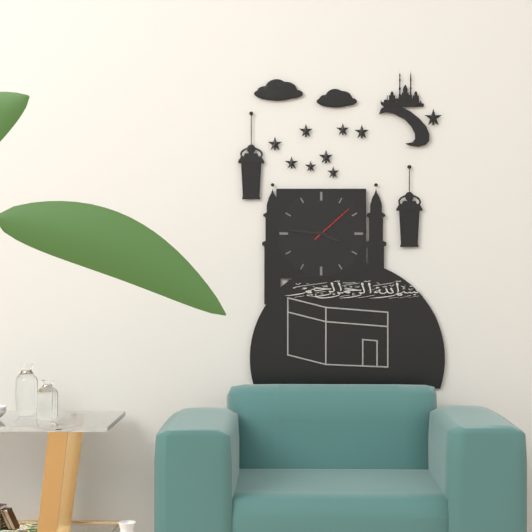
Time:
3:46
